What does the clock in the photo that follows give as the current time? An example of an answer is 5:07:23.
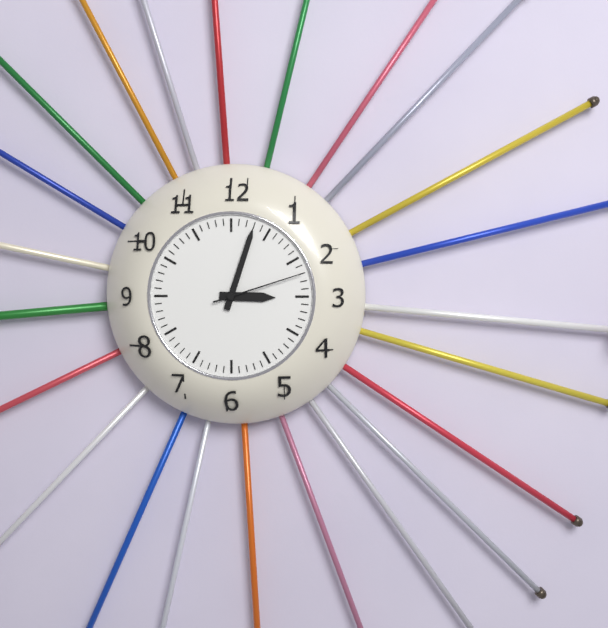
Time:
3:03:12
